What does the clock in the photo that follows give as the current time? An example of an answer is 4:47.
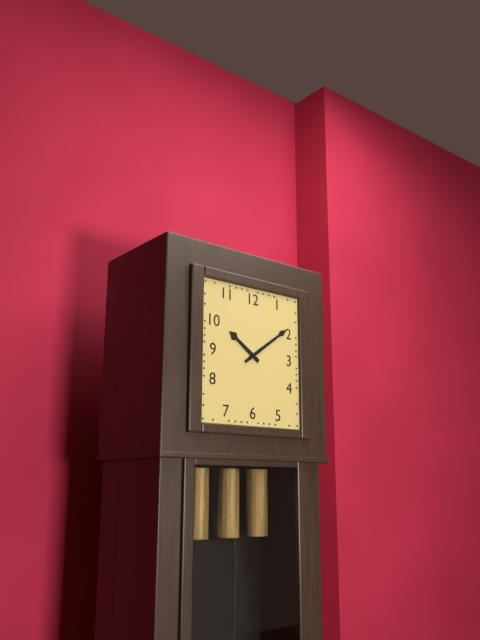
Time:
10:09
